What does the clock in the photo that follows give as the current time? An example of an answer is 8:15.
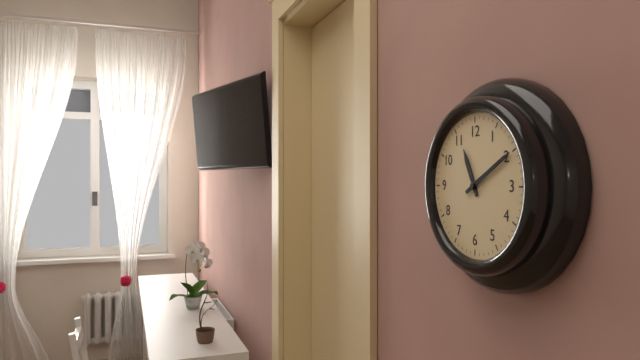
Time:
11:10
